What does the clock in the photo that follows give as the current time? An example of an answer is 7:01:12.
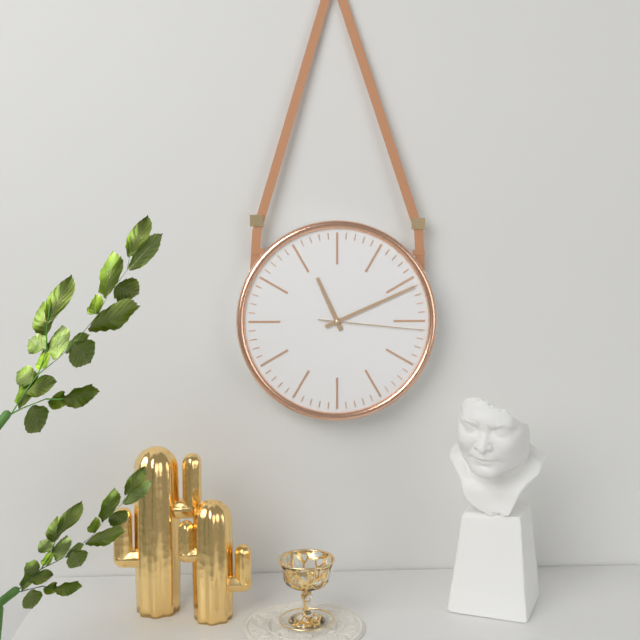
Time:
11:11:16
